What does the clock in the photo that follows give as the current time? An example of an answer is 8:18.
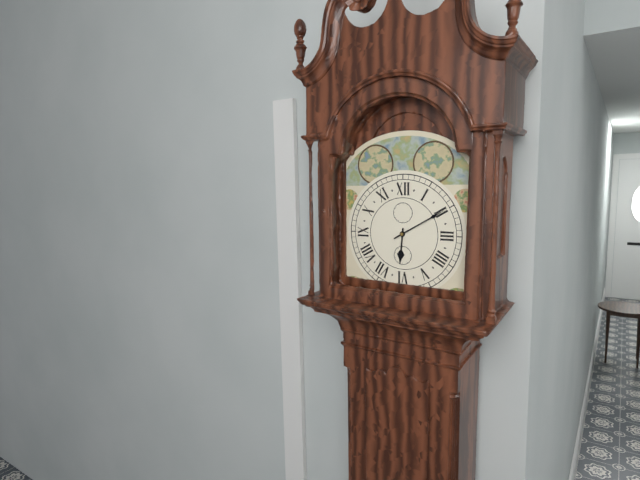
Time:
6:10
